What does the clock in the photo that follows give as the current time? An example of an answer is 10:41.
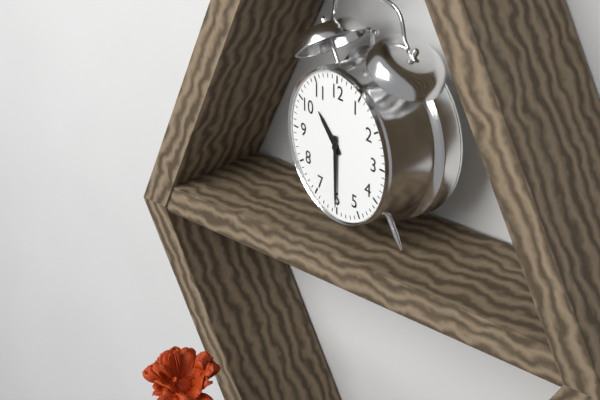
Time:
10:30
